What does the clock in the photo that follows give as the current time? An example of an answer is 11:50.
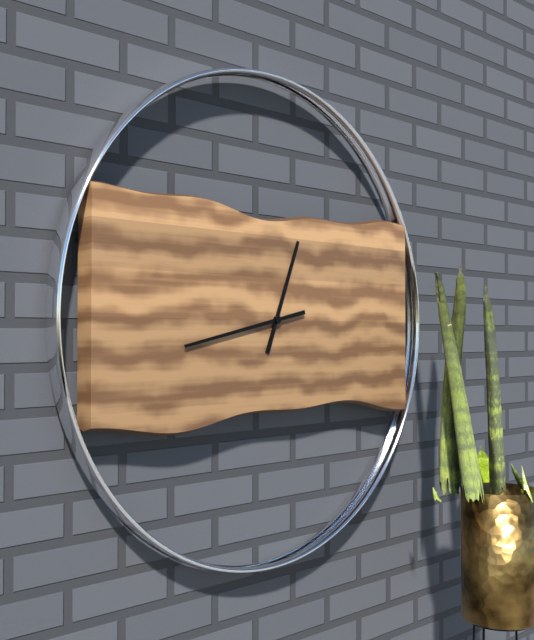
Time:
12:43
